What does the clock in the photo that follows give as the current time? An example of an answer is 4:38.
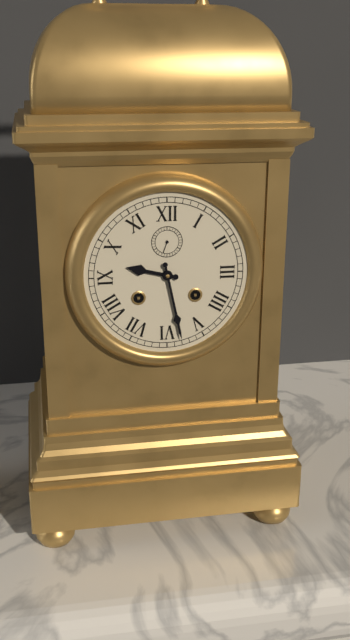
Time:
9:28
